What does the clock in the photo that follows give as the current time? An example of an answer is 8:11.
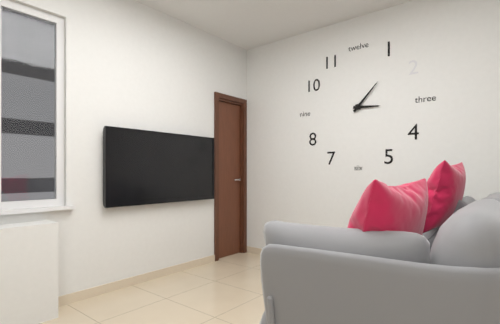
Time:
3:07
